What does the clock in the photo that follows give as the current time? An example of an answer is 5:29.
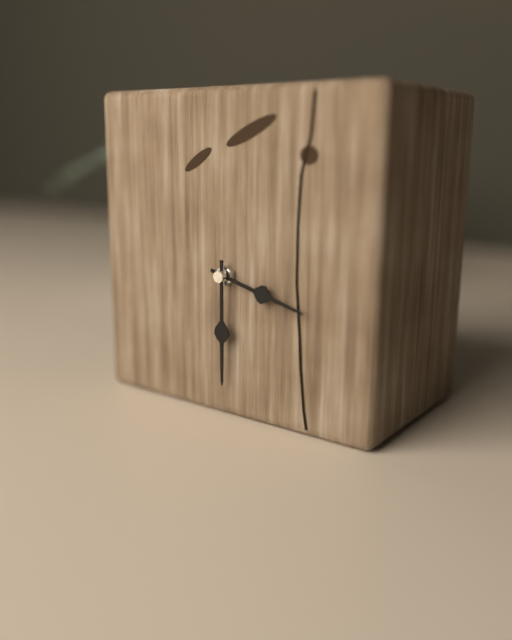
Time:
3:30
